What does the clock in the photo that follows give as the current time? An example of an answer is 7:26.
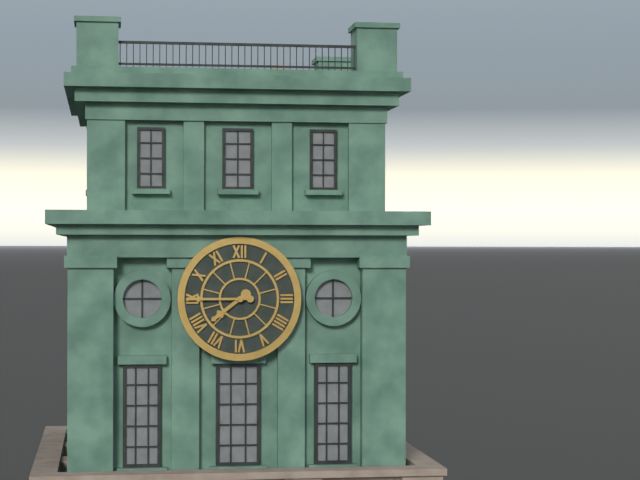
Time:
7:45
